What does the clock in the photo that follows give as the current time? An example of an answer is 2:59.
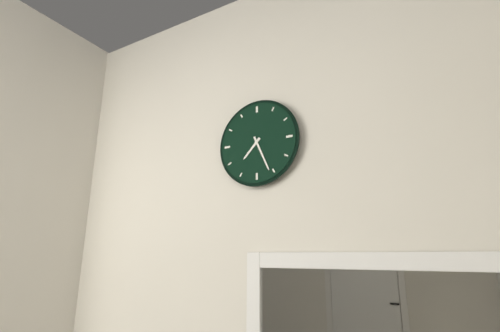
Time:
7:26
